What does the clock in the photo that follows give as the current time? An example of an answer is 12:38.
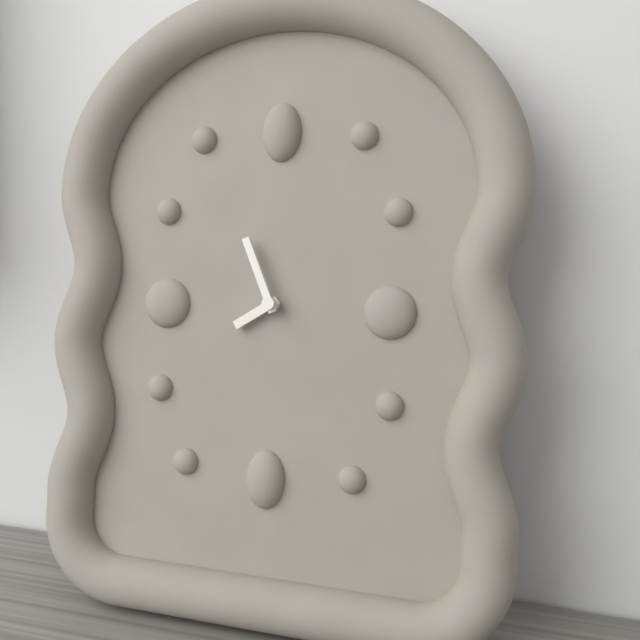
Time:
7:56
